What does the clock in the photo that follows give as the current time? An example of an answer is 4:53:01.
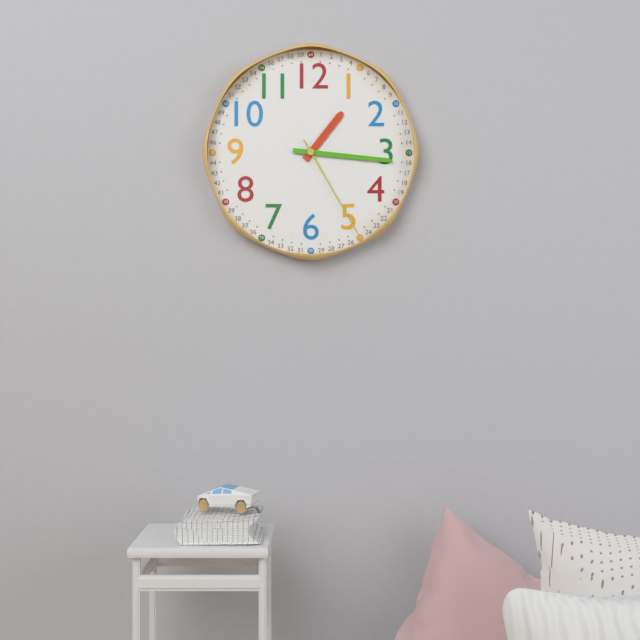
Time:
1:16:25
